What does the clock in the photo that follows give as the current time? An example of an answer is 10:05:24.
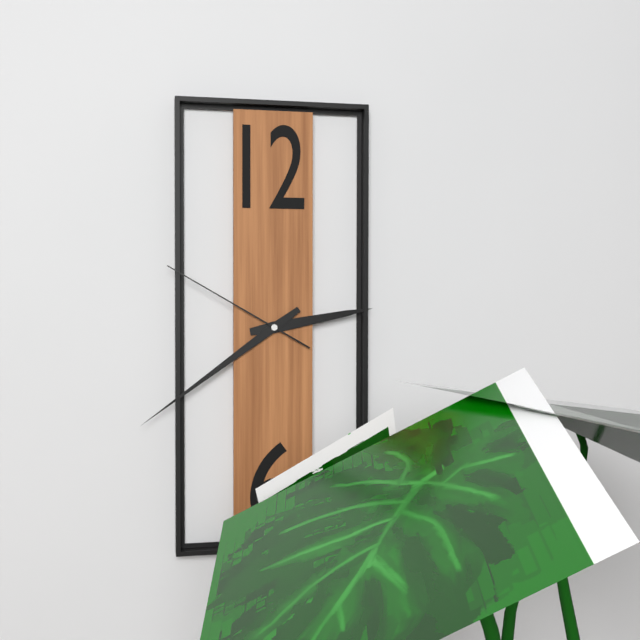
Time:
2:39:50
